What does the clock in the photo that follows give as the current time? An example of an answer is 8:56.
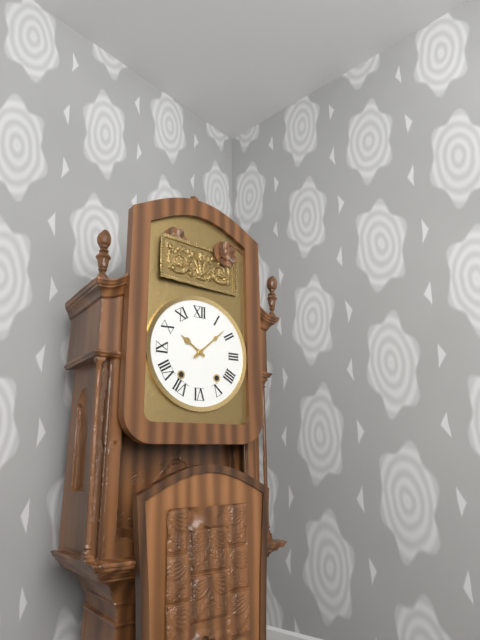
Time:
10:08
